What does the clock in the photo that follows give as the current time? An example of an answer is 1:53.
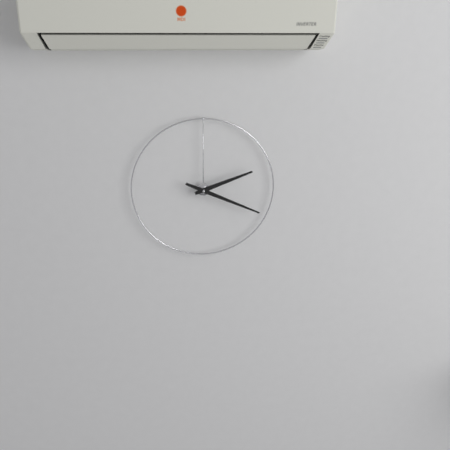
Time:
2:19
